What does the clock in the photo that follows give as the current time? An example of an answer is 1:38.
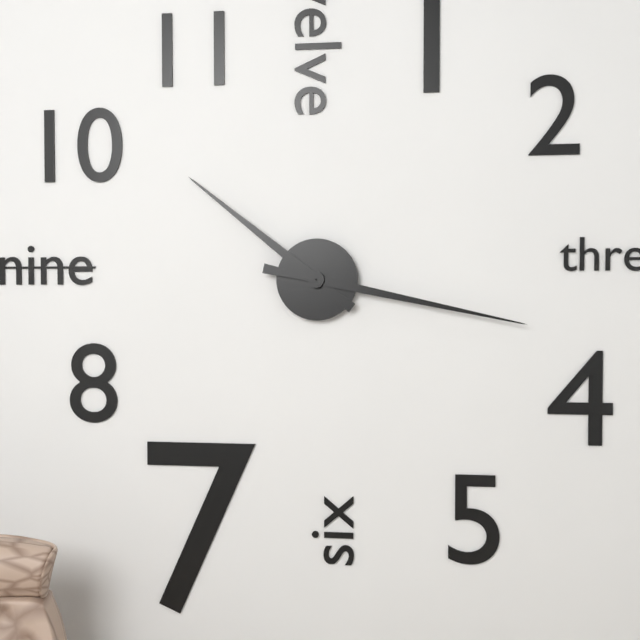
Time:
10:17
